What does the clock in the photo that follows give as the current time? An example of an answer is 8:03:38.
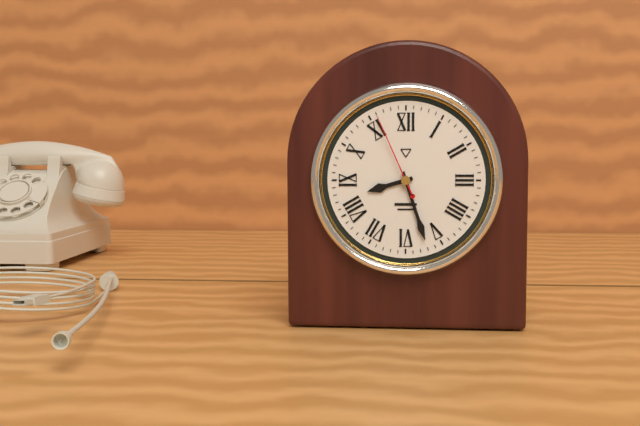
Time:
8:27:56
